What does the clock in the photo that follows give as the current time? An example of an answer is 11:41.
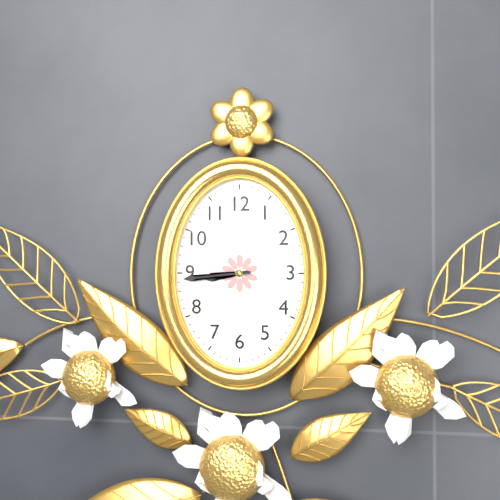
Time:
8:44
